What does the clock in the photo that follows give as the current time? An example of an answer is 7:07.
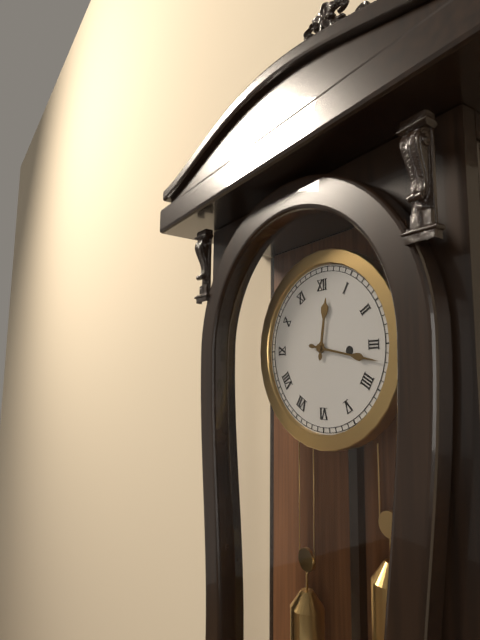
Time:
12:17
